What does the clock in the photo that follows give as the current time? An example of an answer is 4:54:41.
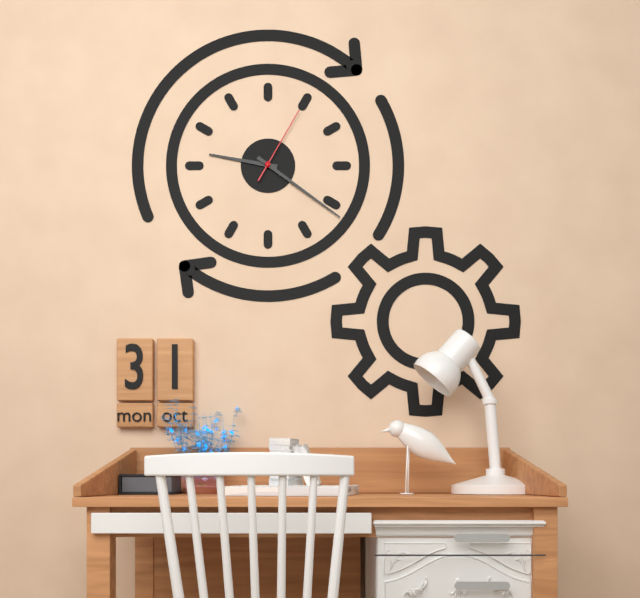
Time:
9:21:05
